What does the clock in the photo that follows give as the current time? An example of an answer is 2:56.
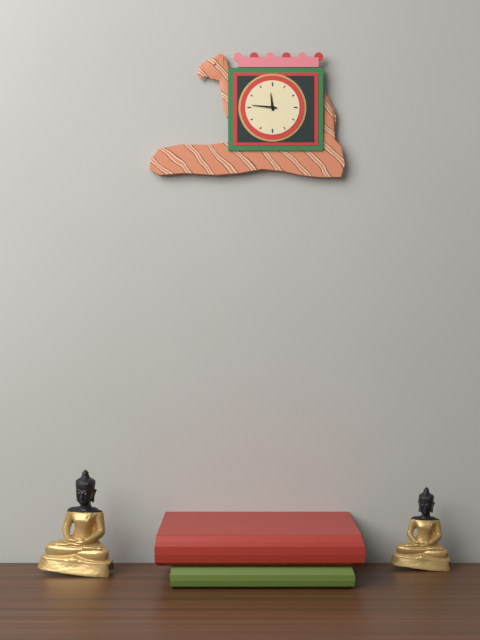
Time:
11:46
